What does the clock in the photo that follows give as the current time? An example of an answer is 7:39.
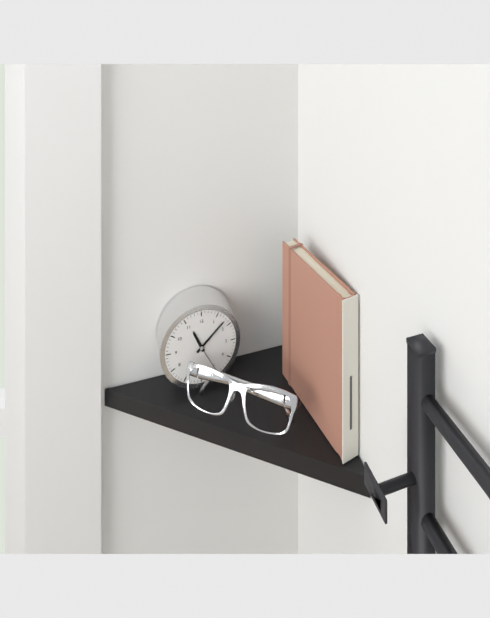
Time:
11:08
